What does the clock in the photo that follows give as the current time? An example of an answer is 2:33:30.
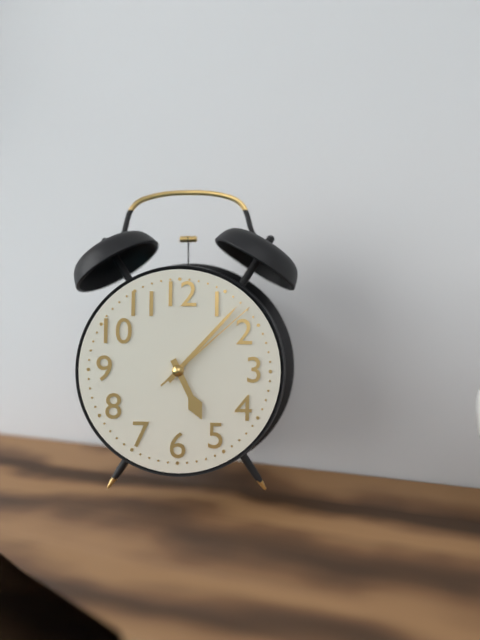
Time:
5:07:08
